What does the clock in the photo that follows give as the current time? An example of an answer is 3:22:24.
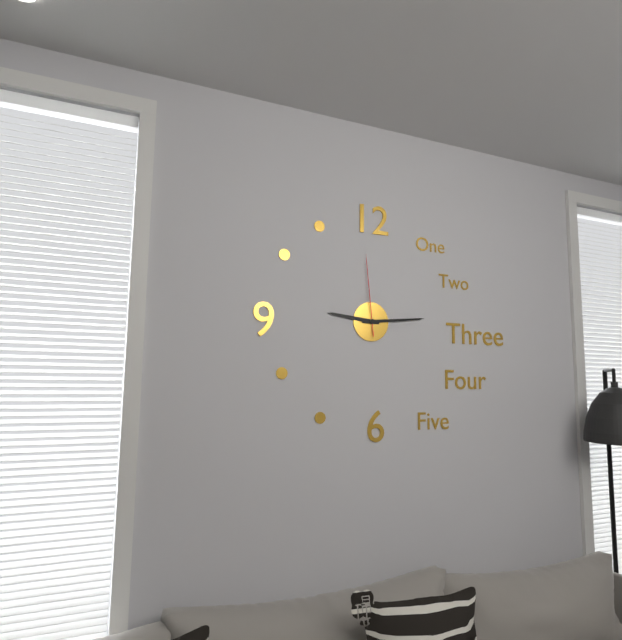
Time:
9:14:59
